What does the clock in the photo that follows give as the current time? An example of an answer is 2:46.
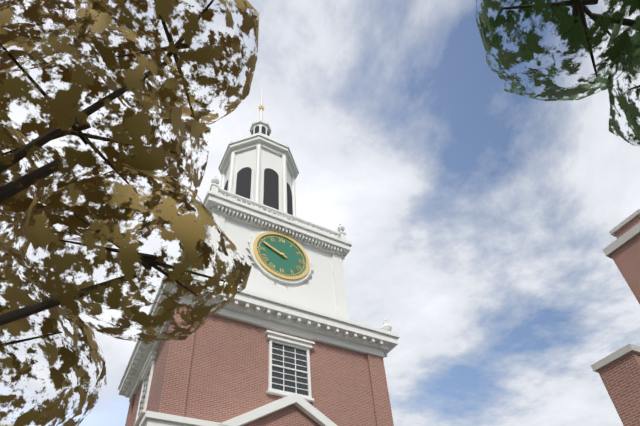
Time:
9:49
